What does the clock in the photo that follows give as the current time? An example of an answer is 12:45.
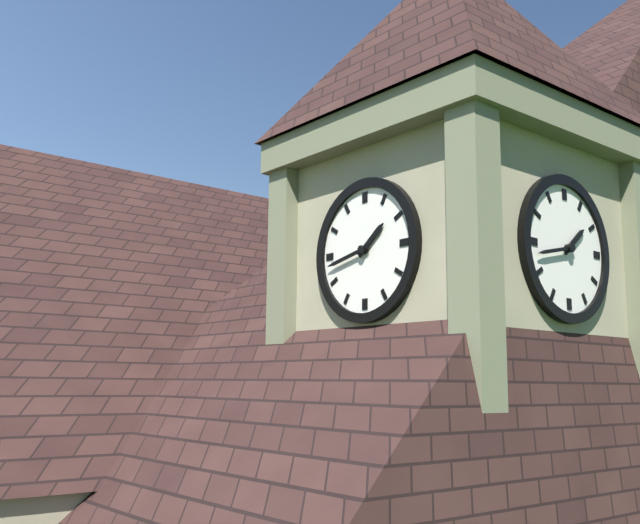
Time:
1:43
